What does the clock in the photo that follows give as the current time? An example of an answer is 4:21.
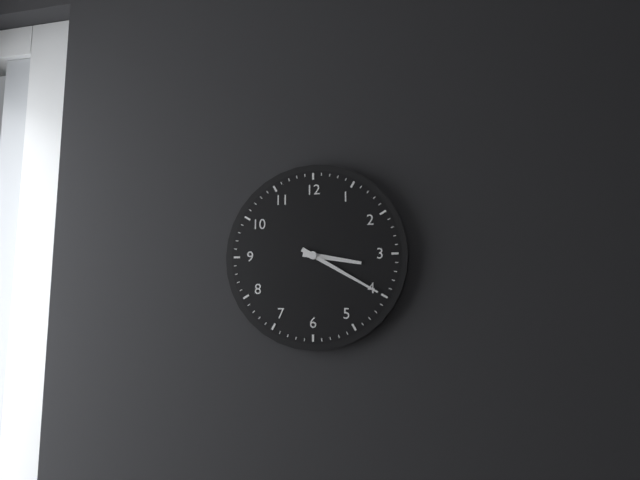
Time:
3:20
